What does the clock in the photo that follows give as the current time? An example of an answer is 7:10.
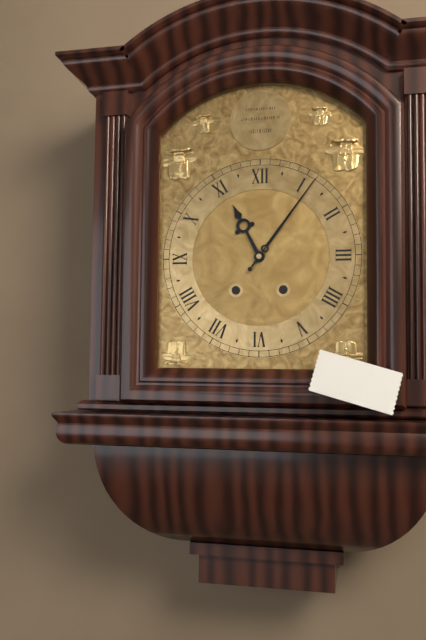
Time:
11:06
